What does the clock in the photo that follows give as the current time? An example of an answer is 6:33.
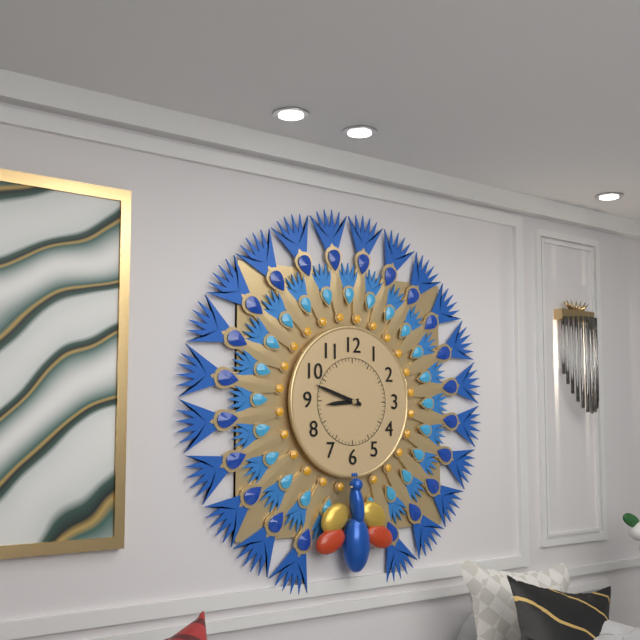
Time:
8:48
